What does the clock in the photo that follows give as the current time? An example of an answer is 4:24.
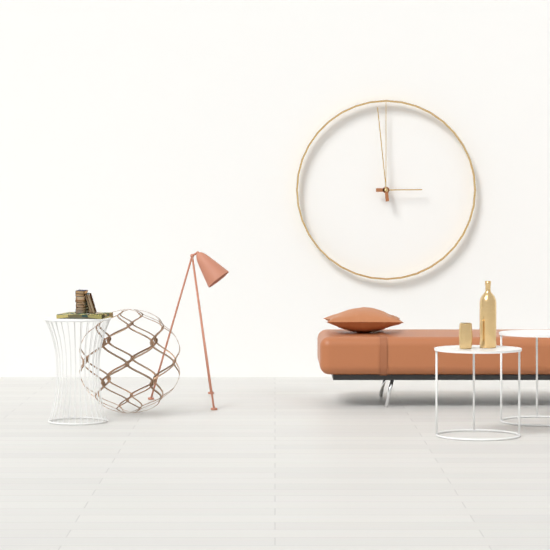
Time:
2:59
